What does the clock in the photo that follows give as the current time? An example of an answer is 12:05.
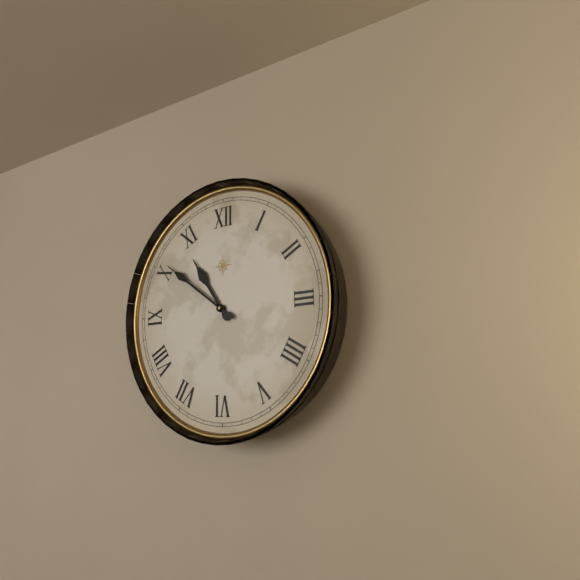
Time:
10:51
